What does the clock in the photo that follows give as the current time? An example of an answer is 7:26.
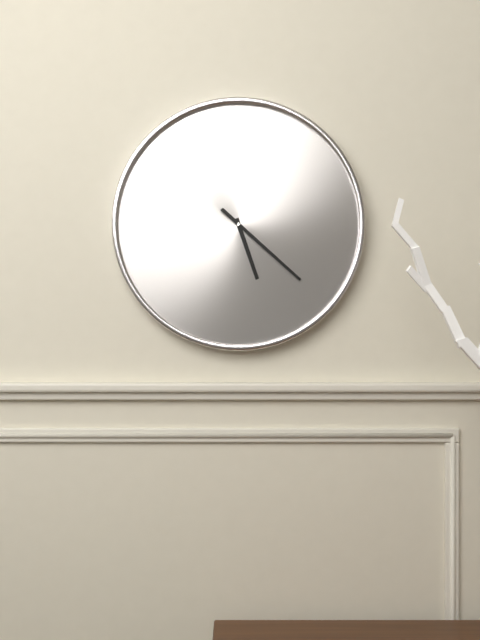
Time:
5:22
